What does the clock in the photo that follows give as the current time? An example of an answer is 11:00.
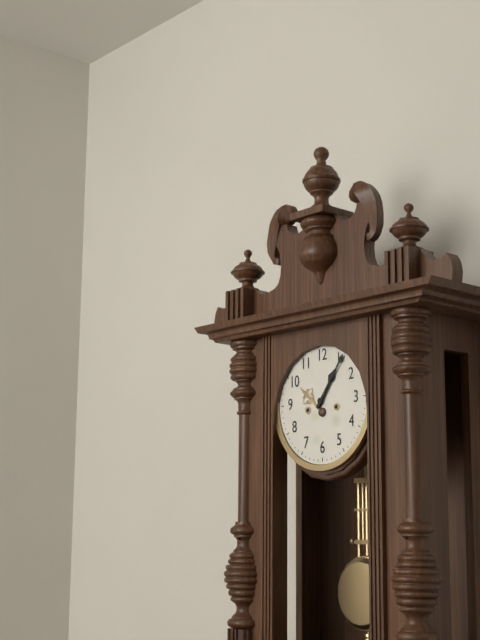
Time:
1:06
